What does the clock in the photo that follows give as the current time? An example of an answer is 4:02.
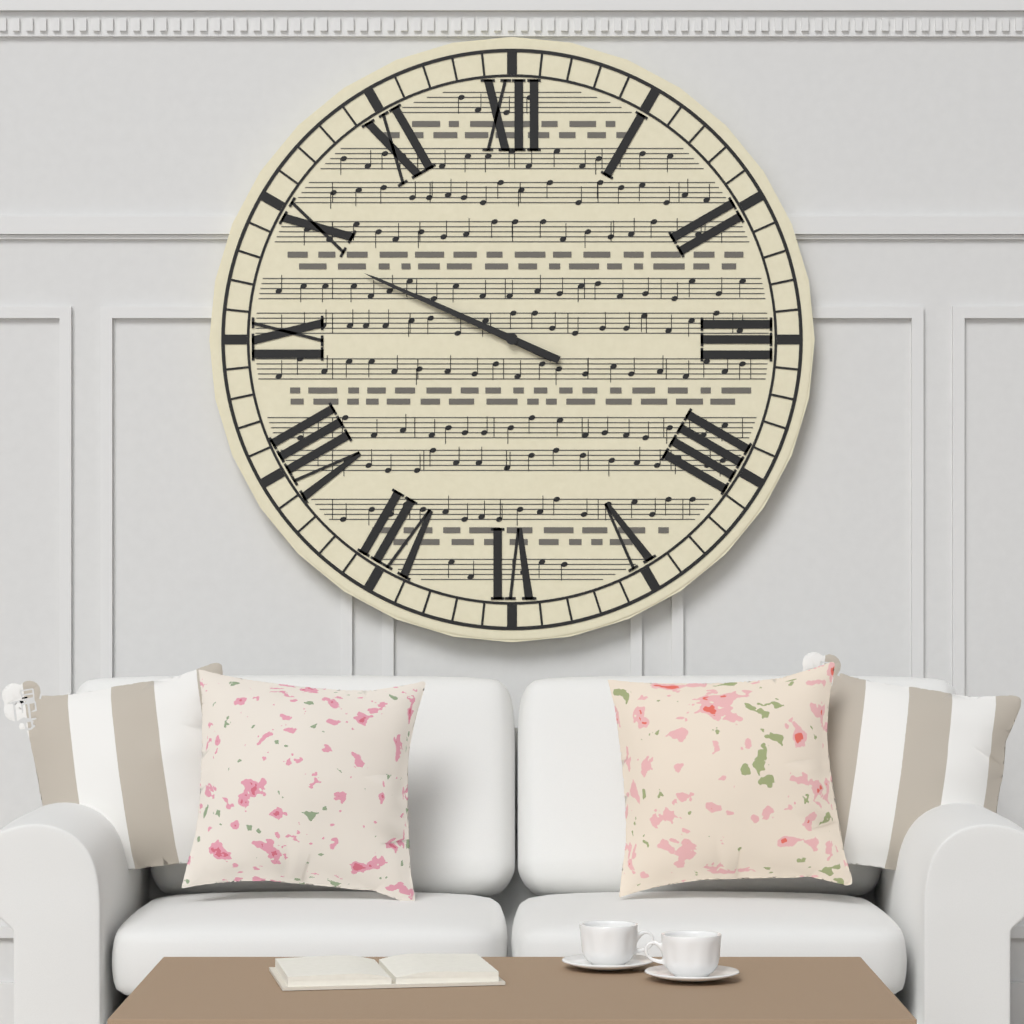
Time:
9:49
